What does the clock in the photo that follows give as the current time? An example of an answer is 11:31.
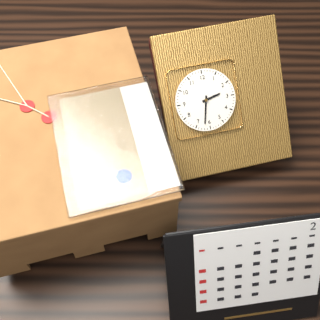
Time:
2:32
